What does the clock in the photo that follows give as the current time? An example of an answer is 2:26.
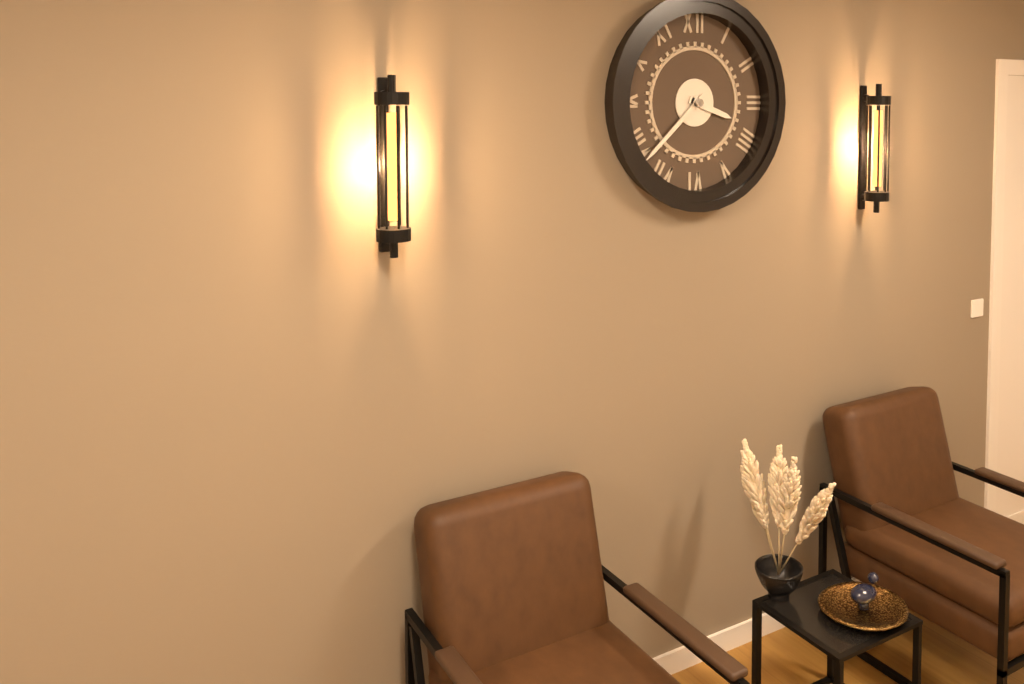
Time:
3:38
